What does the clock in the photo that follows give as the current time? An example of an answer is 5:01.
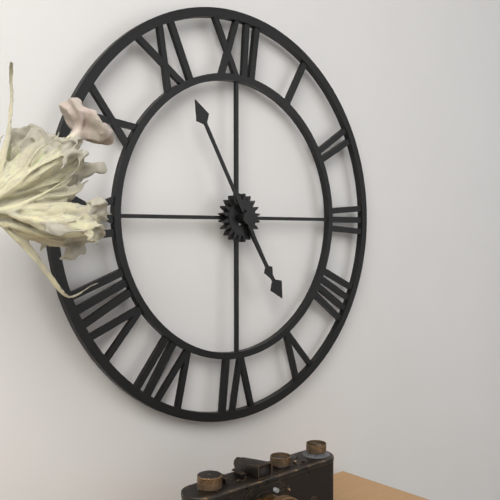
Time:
4:55
